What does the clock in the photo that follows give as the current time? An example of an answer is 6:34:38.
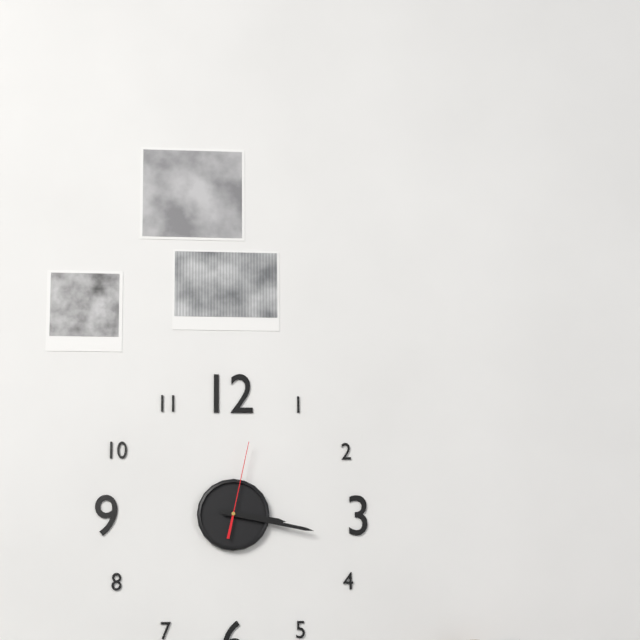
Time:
3:17:02
